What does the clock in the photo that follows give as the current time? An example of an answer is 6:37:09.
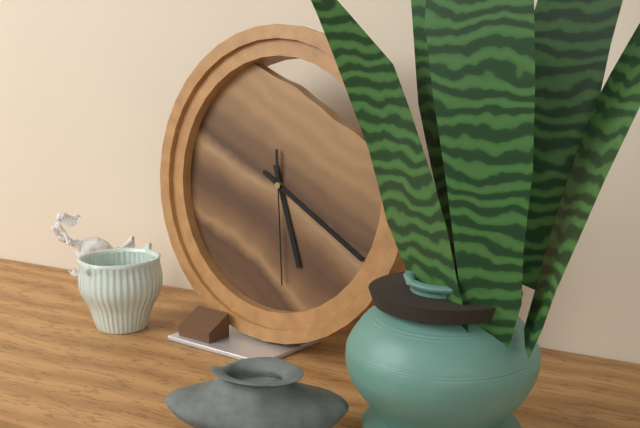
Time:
5:20:29
